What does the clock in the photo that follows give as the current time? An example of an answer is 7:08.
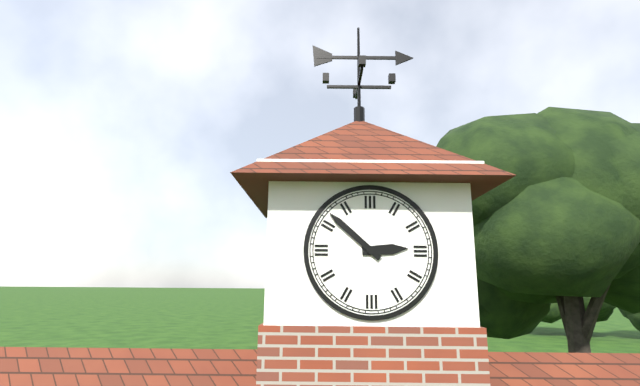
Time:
2:52
